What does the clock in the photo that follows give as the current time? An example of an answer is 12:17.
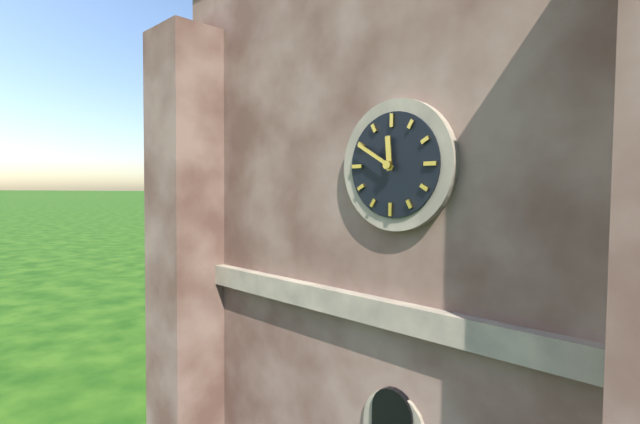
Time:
11:50
